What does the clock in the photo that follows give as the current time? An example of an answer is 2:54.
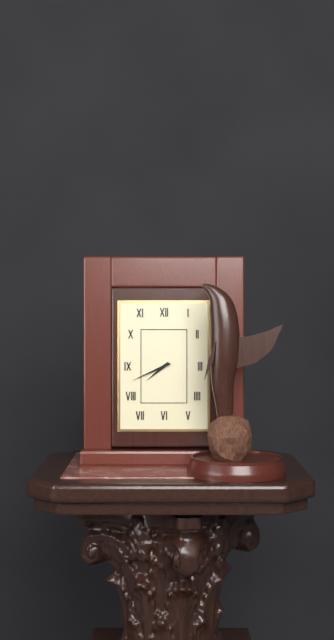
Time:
7:41
